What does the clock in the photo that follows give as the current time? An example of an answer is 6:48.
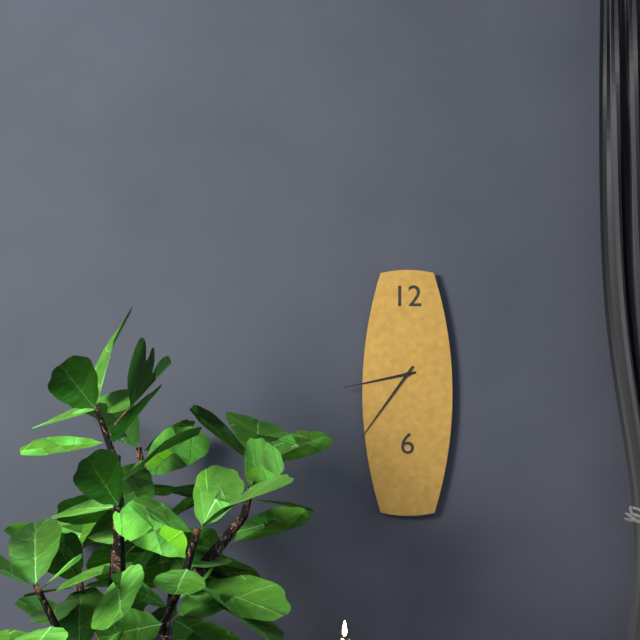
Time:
8:36
